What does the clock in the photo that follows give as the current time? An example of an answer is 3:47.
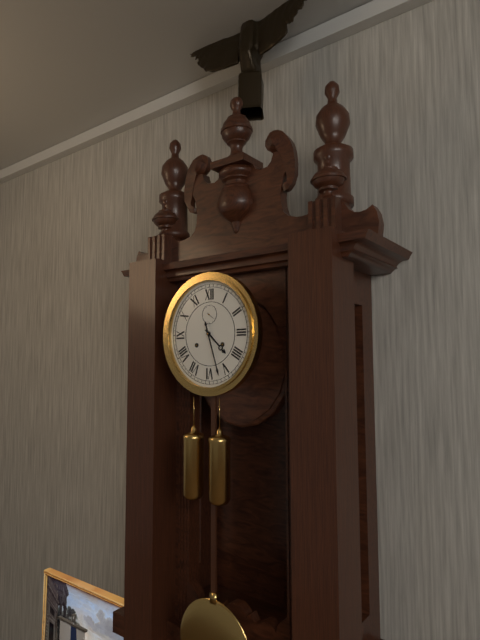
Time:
4:27
